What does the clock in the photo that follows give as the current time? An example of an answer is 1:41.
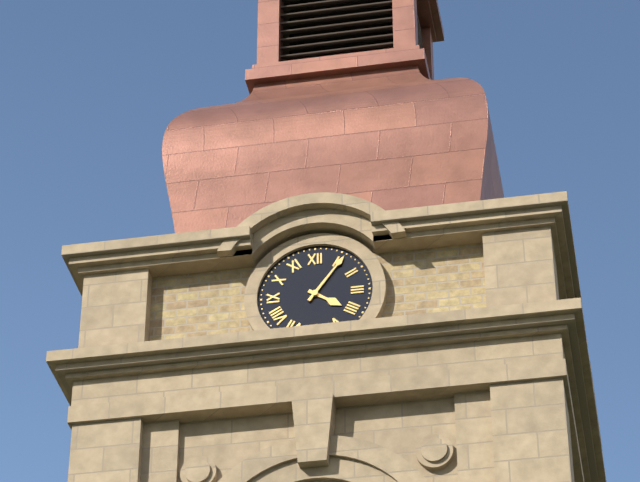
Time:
4:06
